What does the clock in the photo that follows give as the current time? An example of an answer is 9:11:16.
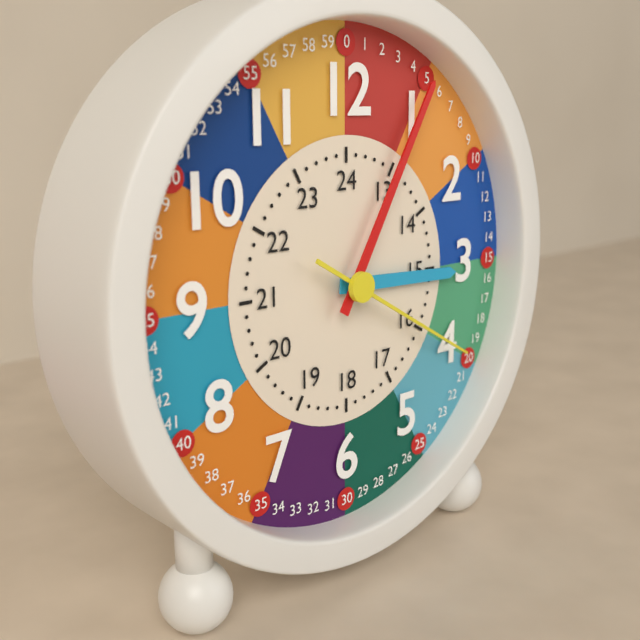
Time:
3:05:20
